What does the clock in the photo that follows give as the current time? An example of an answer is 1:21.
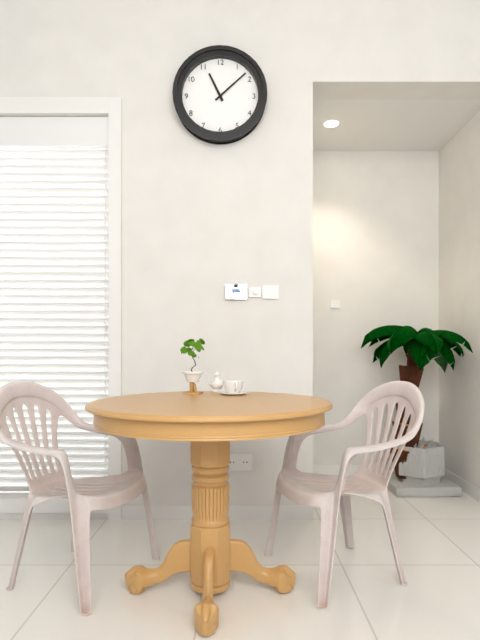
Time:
11:08
